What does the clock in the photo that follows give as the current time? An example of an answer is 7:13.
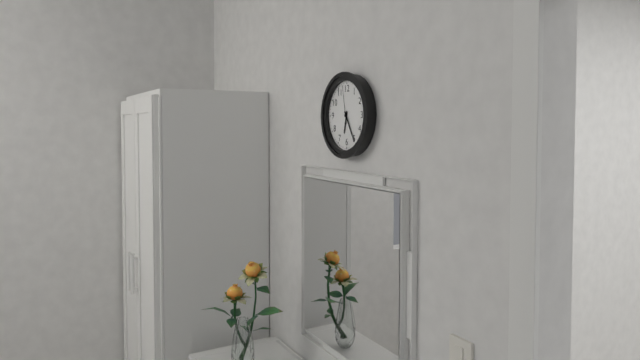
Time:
6:25
